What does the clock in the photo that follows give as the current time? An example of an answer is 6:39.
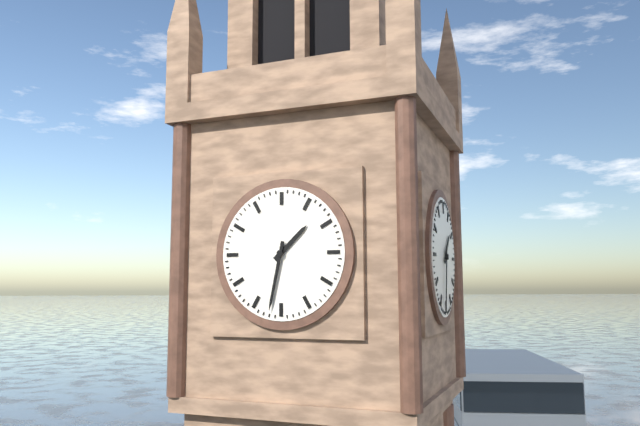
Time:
1:32
